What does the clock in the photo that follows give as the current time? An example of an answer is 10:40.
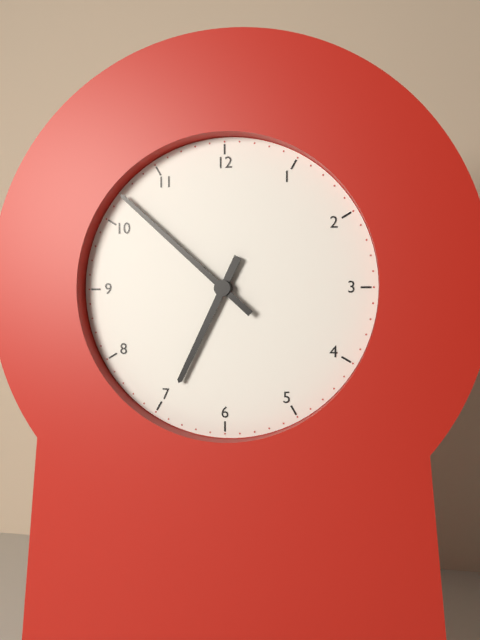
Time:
6:52
